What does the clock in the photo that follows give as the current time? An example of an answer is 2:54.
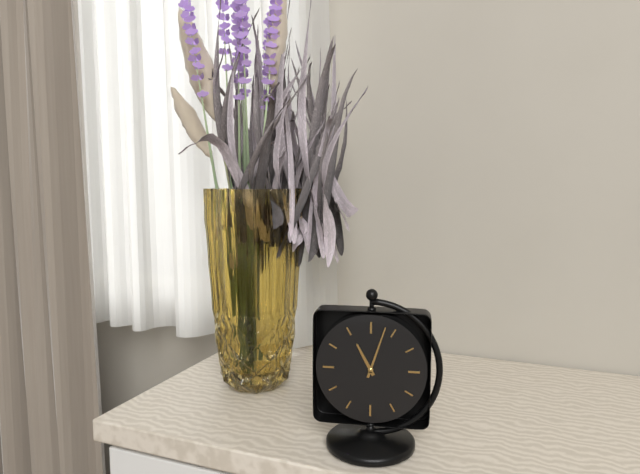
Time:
11:03
